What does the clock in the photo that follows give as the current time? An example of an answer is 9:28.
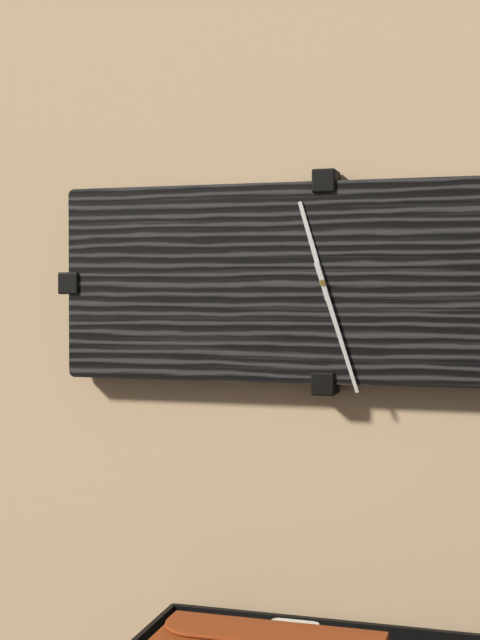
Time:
11:27
